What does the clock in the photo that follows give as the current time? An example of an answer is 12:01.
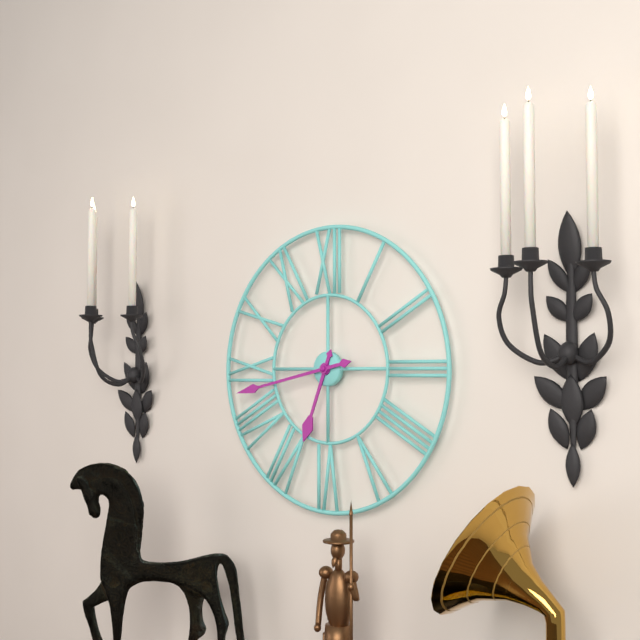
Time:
6:43
